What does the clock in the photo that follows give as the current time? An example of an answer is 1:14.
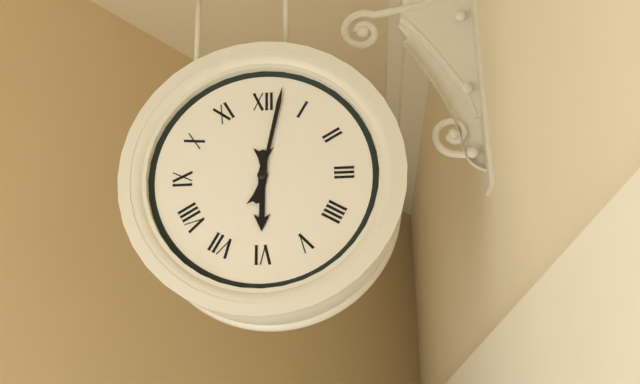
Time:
6:02
